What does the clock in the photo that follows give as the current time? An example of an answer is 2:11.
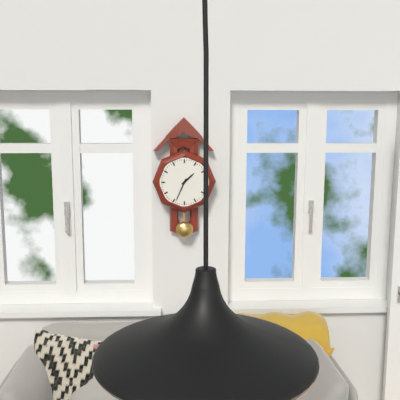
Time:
1:34
